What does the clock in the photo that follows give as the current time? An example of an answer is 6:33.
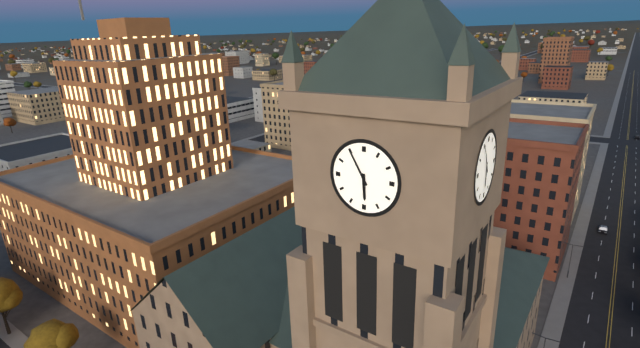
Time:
5:55
